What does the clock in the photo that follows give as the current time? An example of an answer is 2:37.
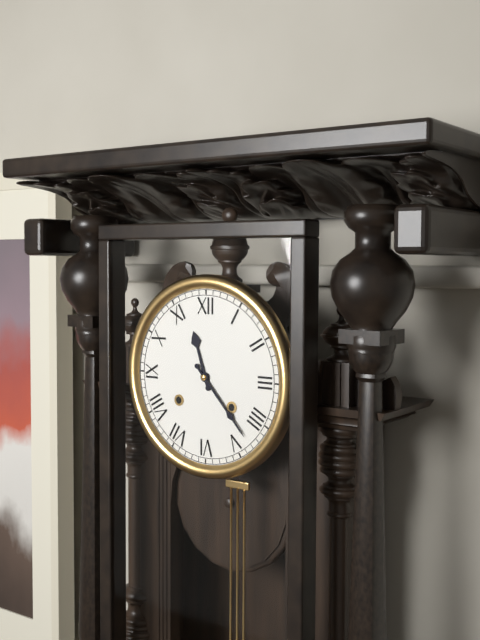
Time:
11:23
